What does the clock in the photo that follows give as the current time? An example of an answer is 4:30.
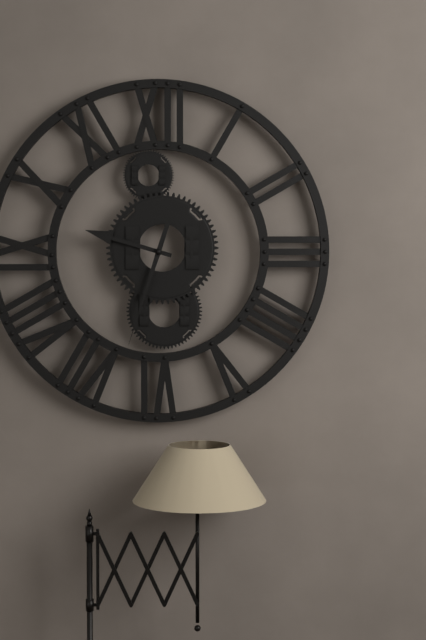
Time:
9:33
